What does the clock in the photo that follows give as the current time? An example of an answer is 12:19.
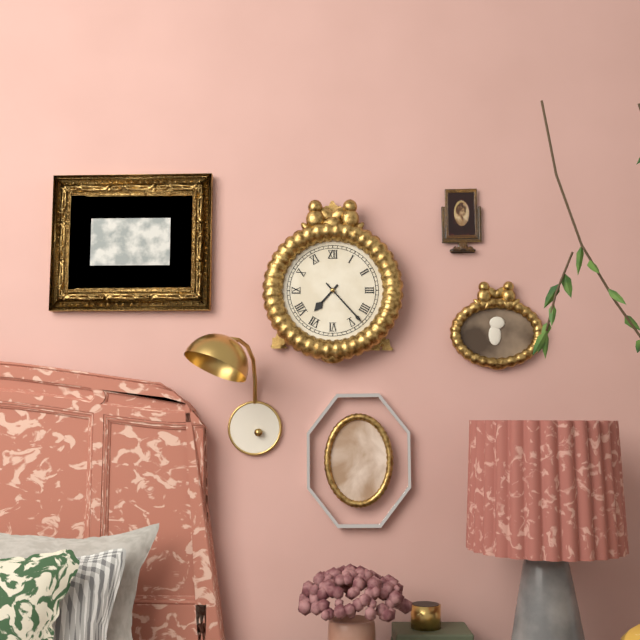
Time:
7:23
